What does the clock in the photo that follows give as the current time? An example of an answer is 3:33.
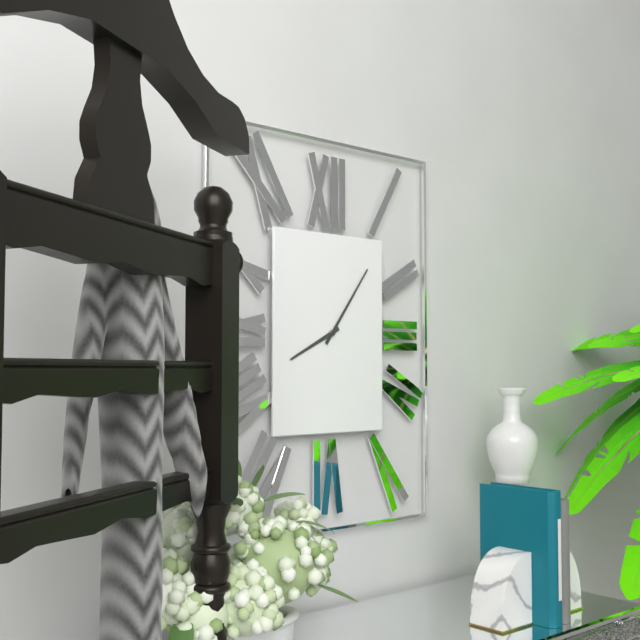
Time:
8:06
